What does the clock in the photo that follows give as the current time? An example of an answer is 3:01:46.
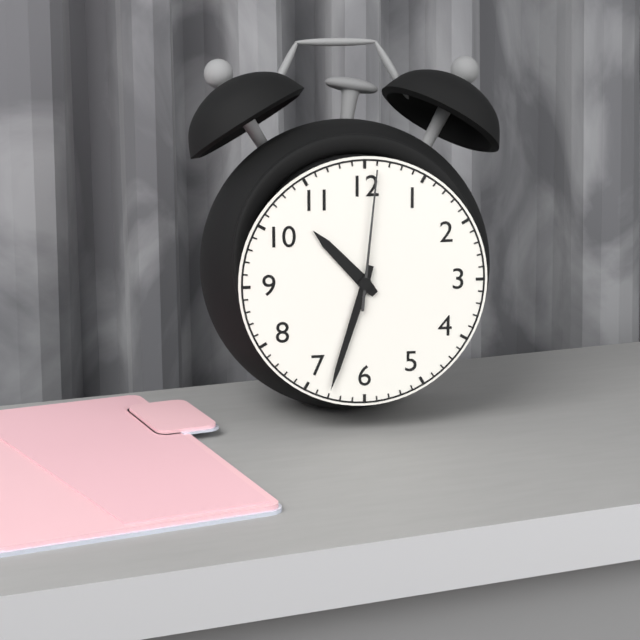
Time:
10:33:01
